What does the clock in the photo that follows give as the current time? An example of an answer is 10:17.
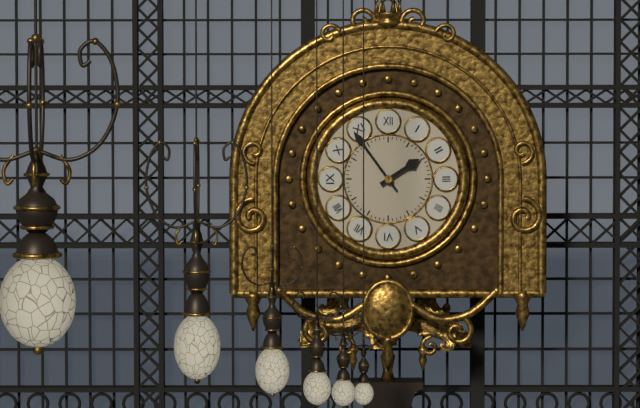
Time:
1:54
